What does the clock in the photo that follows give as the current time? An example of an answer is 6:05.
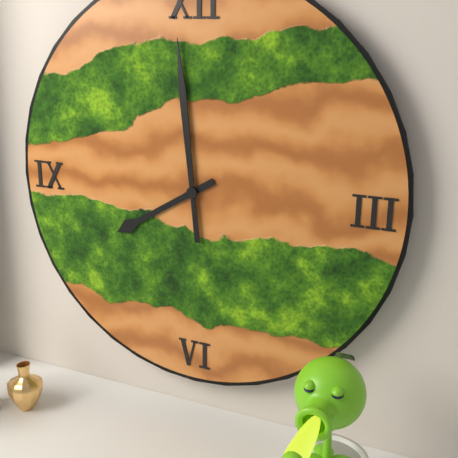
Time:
7:59
